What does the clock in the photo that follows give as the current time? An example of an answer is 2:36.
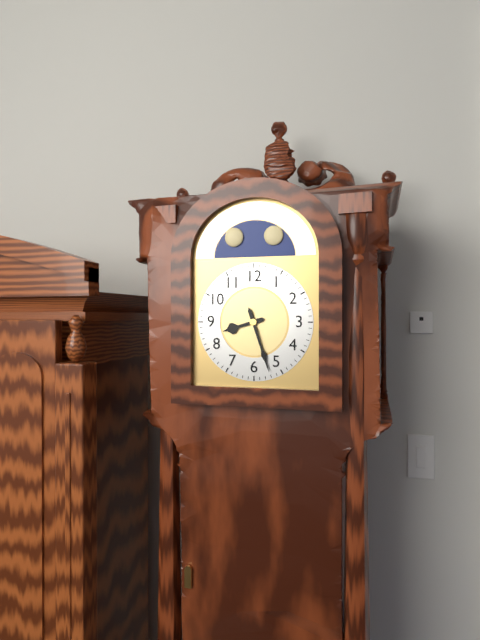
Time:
8:27
